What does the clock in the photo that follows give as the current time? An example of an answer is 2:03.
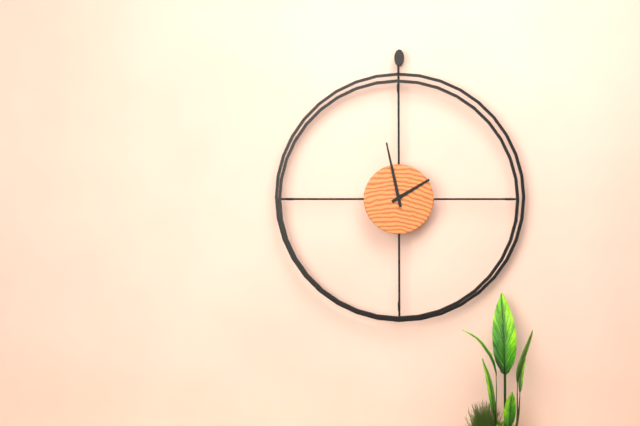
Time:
1:58
